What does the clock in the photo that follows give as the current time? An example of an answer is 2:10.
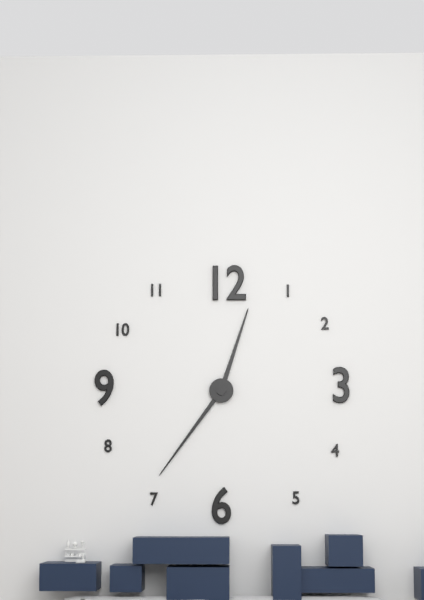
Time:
12:36
